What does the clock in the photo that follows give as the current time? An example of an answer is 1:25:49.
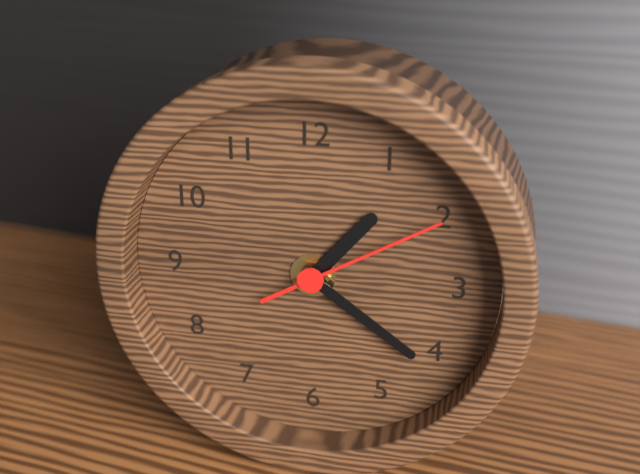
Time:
1:21:10
